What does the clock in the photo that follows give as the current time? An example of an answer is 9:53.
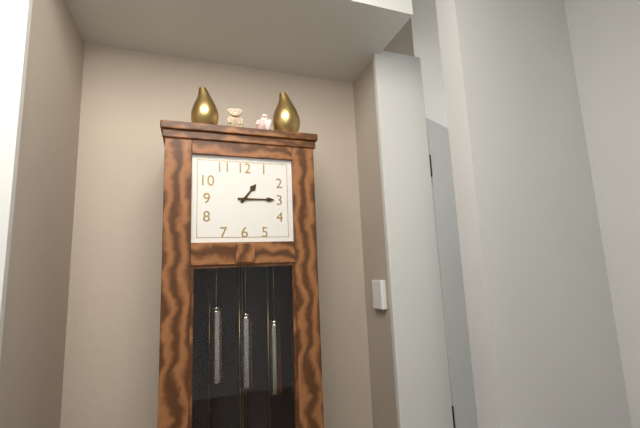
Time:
1:15
